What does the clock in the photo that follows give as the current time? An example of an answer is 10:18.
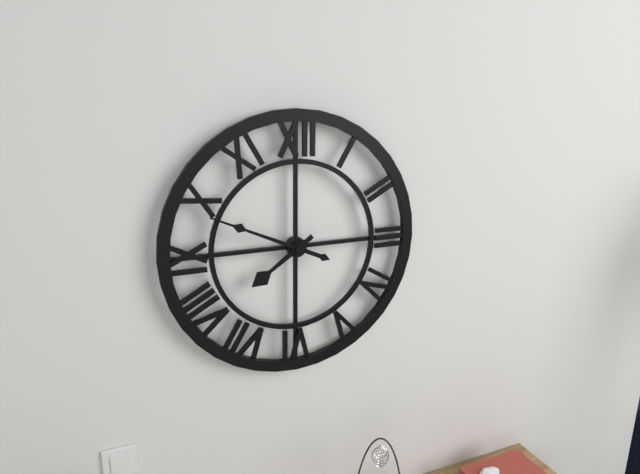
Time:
7:49
